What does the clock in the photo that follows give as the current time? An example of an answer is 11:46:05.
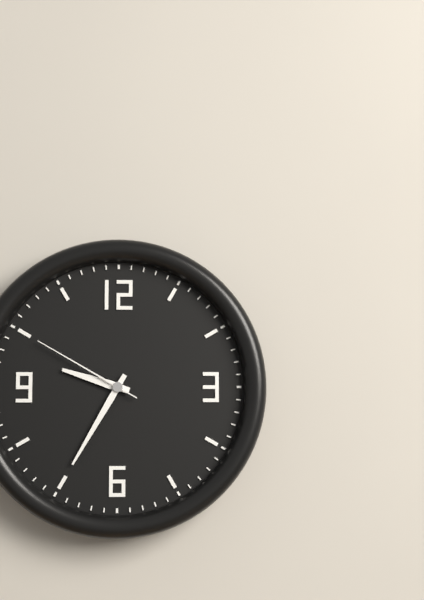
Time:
9:35:50
